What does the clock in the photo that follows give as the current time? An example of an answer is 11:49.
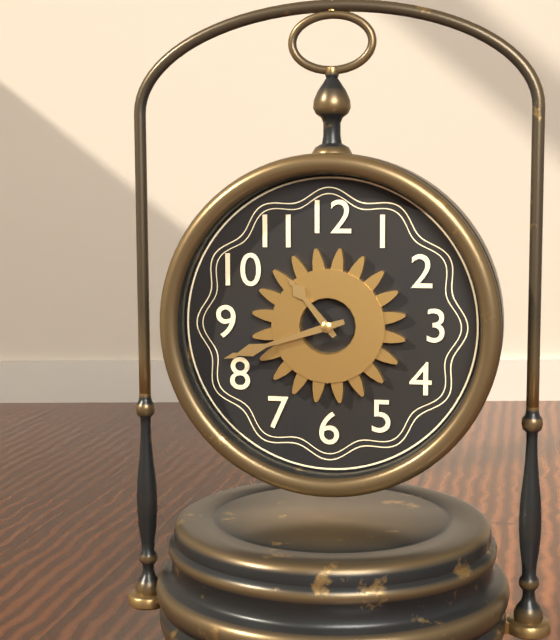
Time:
10:42
